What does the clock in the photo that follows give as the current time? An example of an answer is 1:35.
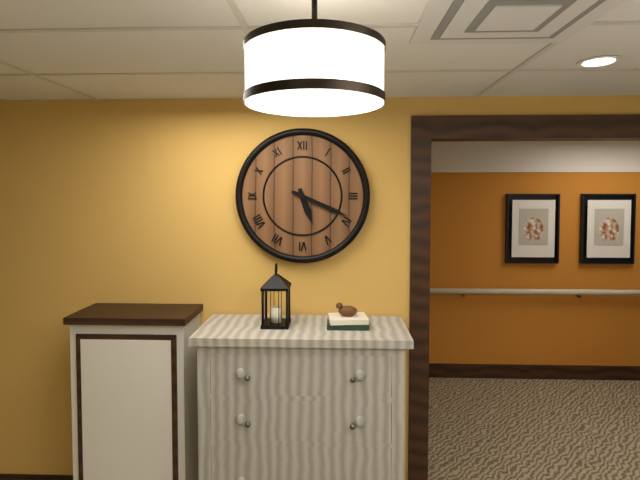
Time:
5:19
